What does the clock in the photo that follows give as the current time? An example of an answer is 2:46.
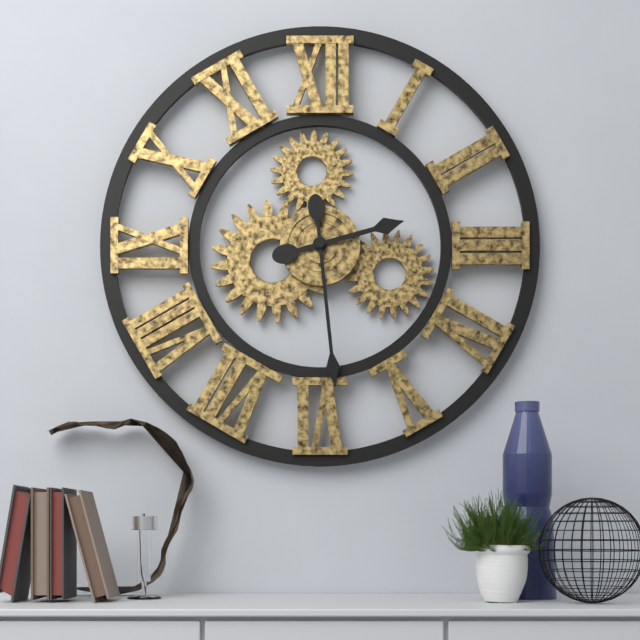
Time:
2:29
